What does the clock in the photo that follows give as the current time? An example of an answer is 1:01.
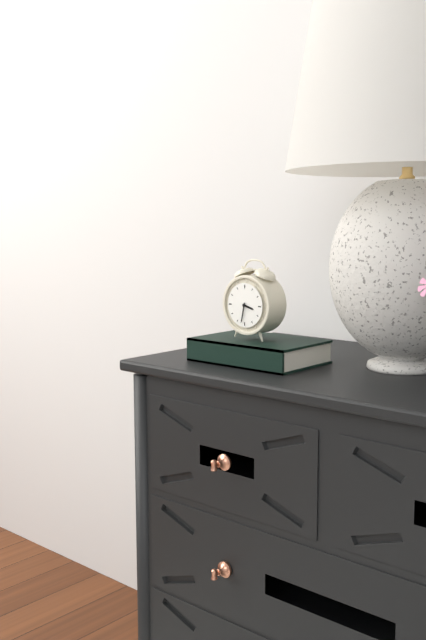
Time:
3:32
